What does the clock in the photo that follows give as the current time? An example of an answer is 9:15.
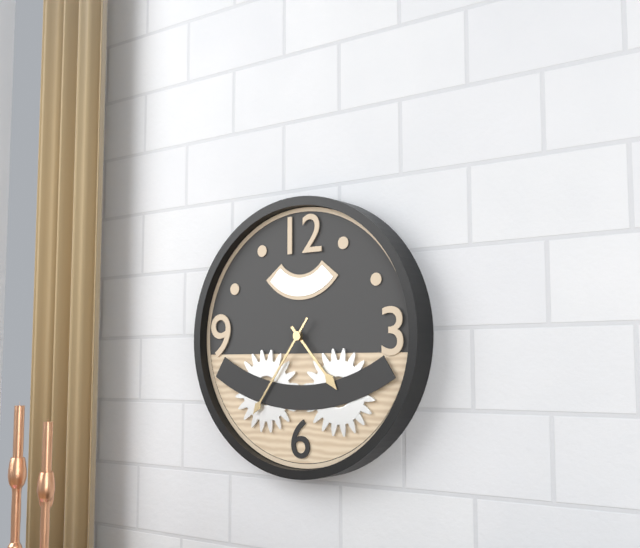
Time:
4:36
